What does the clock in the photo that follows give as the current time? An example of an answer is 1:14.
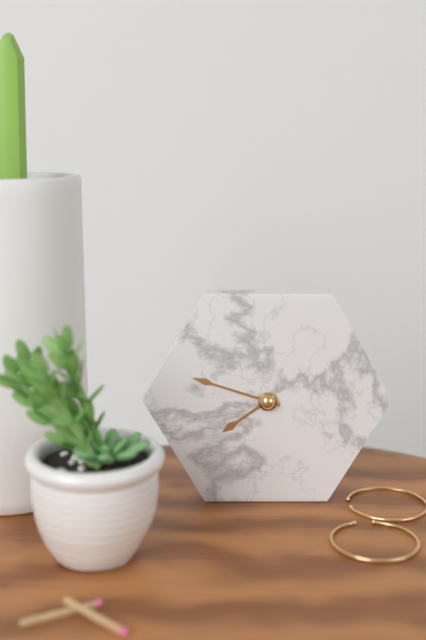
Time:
7:48
